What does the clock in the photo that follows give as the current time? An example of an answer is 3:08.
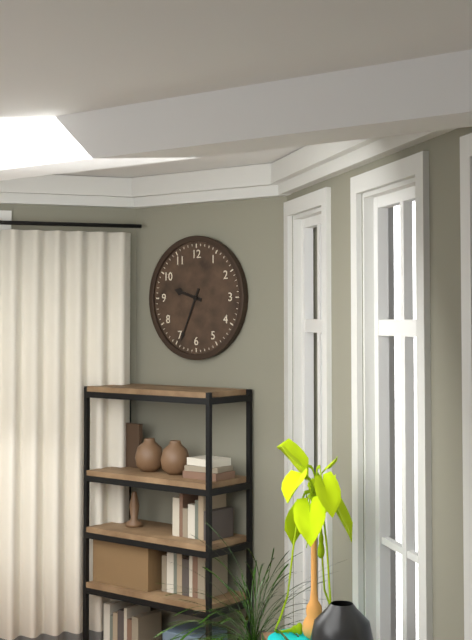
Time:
9:34
